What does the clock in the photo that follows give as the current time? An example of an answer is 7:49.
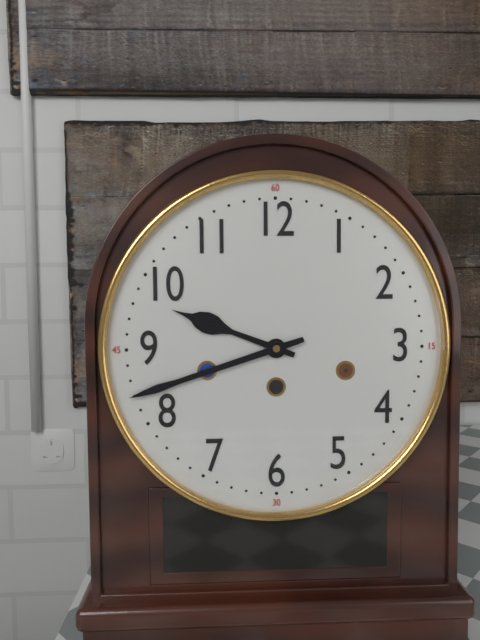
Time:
9:42
